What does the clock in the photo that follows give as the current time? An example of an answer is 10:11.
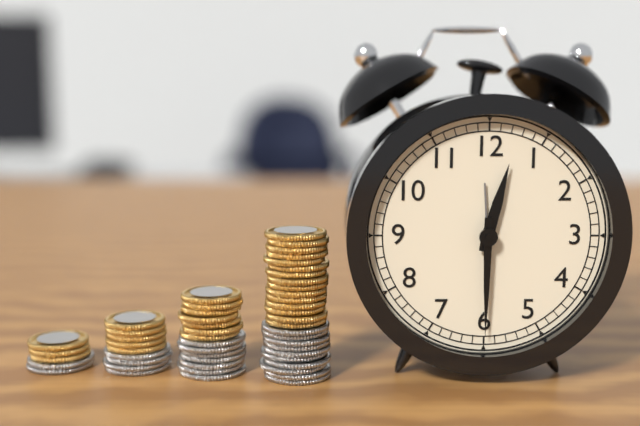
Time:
12:30
